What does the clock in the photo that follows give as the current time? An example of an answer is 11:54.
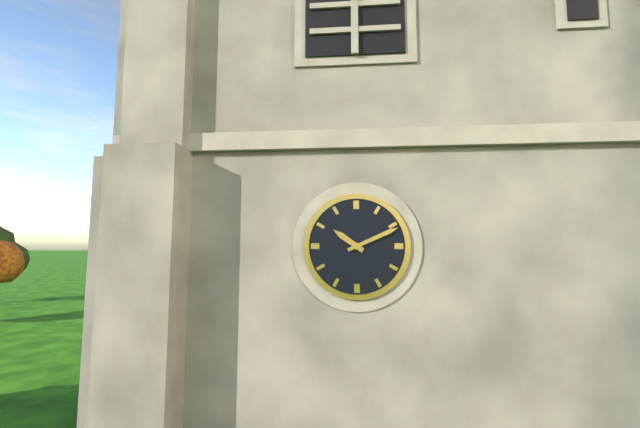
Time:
10:11
